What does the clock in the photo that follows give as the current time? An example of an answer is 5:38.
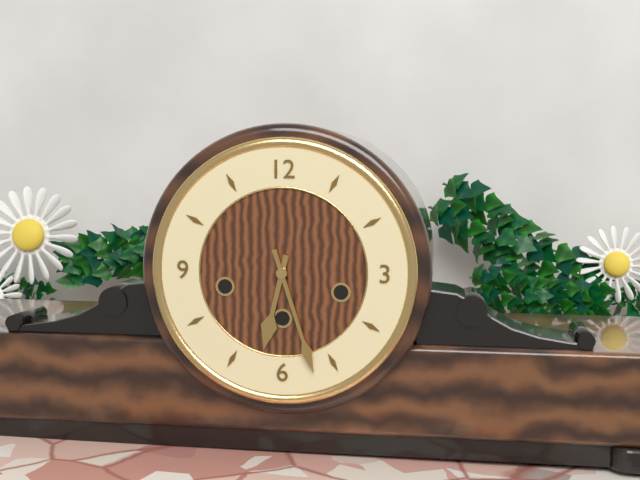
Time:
6:27
